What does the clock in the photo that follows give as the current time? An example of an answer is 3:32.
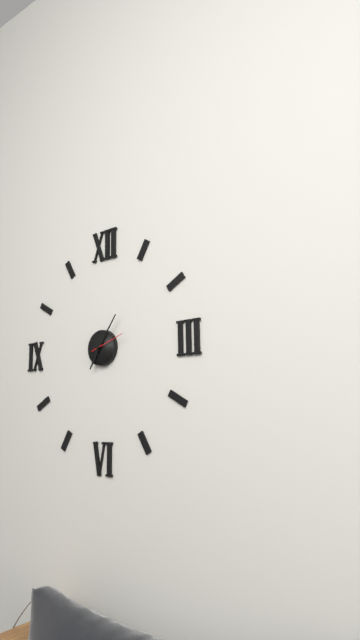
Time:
7:06
